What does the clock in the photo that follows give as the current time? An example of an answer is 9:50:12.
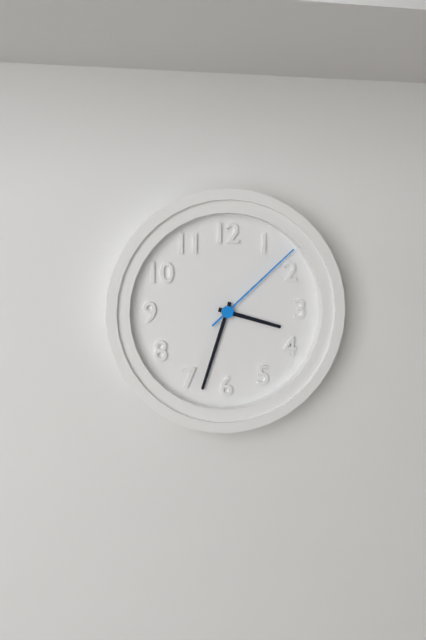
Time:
3:33:08
